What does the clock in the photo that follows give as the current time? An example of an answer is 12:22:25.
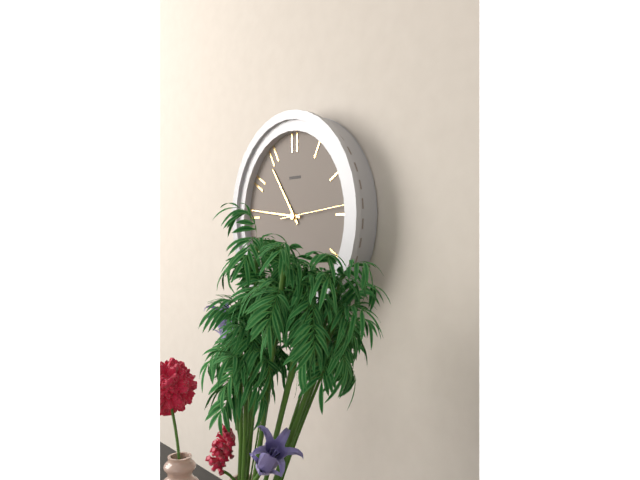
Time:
10:46:14
